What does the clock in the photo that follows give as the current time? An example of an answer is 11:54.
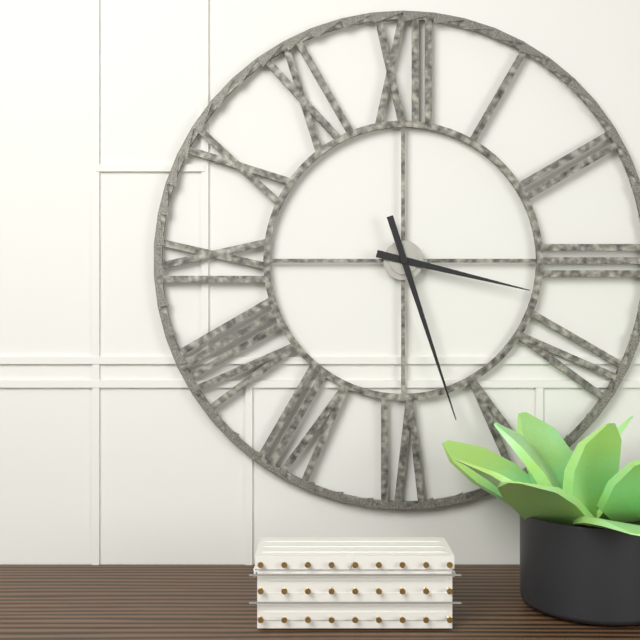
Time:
3:27
